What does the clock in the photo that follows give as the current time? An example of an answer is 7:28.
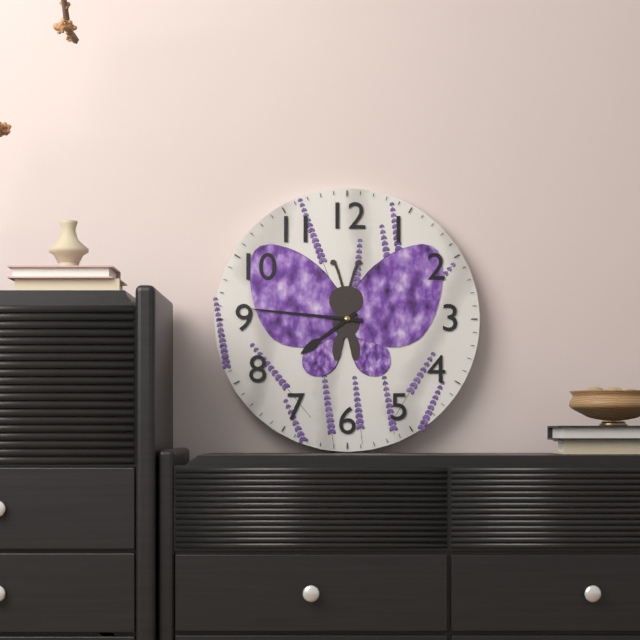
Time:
7:46
